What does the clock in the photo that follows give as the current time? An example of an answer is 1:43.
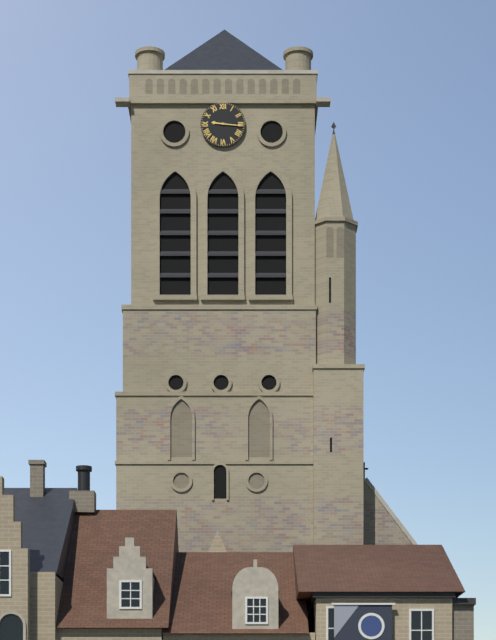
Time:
9:16
